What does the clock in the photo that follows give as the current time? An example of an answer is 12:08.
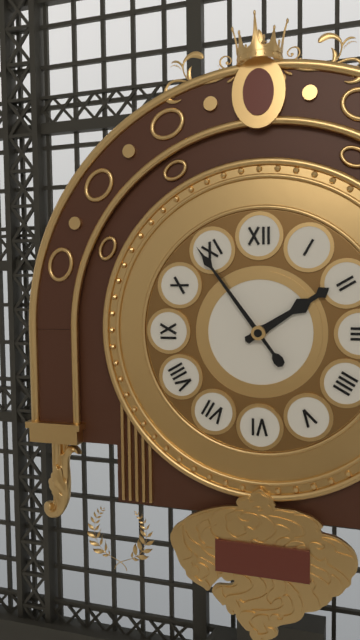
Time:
1:54
